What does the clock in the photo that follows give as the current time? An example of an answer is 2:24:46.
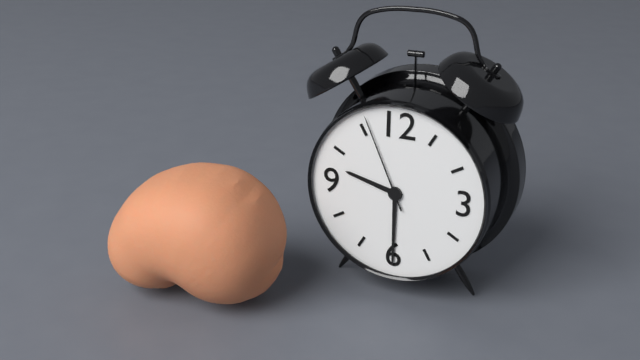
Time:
9:30:56
